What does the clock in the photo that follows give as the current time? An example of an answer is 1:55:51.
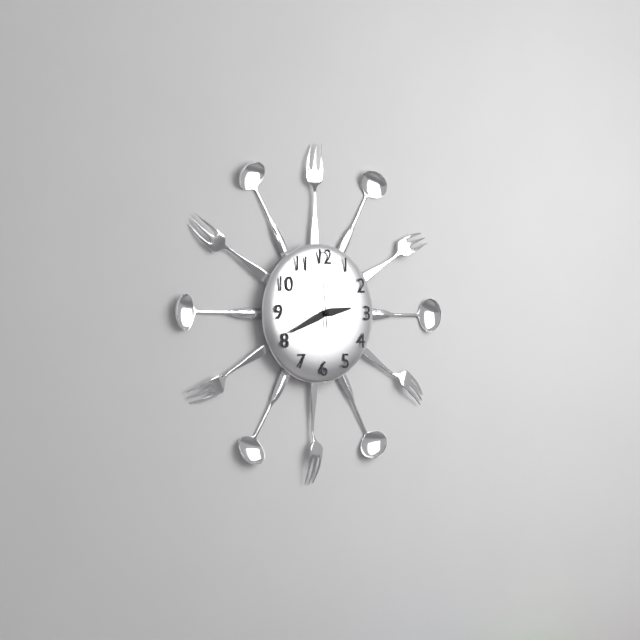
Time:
2:41:59
